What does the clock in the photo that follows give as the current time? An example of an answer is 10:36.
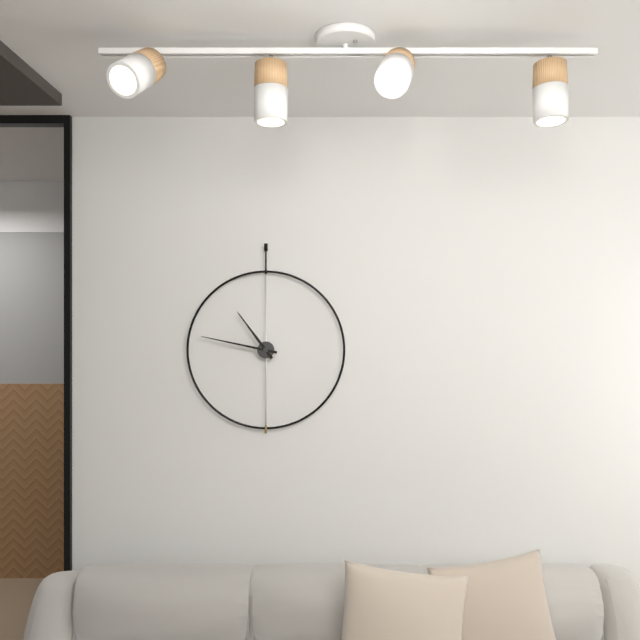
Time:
10:47
